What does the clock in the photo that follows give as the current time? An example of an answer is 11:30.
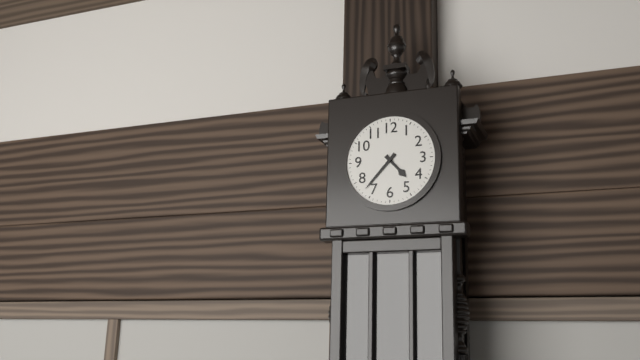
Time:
4:37
